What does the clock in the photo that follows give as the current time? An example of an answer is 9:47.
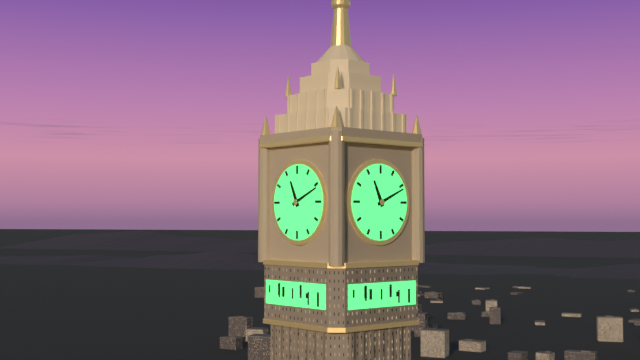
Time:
11:11
